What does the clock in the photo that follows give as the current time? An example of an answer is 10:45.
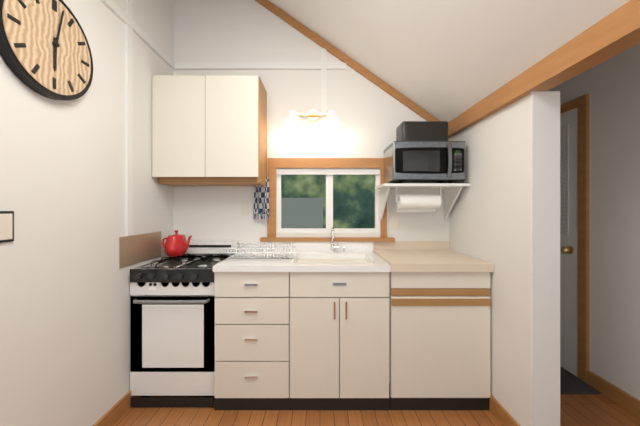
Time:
6:02
